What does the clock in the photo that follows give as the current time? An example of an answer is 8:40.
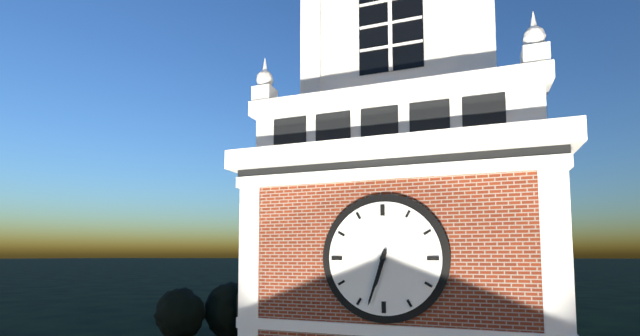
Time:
6:33
